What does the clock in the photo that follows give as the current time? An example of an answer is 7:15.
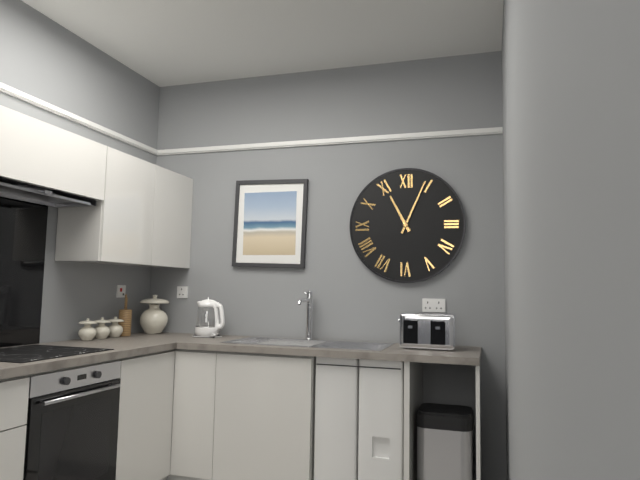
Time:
11:04
